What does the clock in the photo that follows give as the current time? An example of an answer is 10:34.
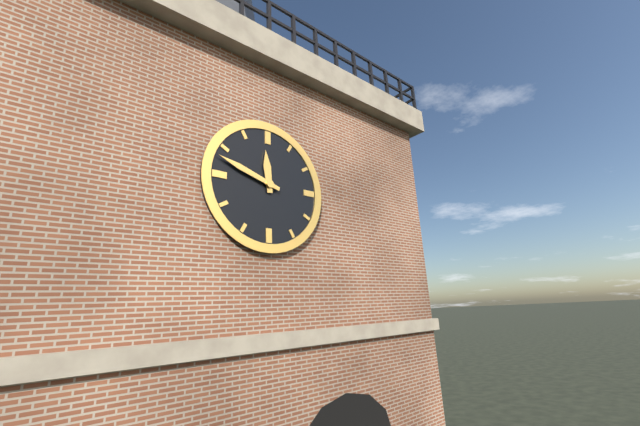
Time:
11:48
